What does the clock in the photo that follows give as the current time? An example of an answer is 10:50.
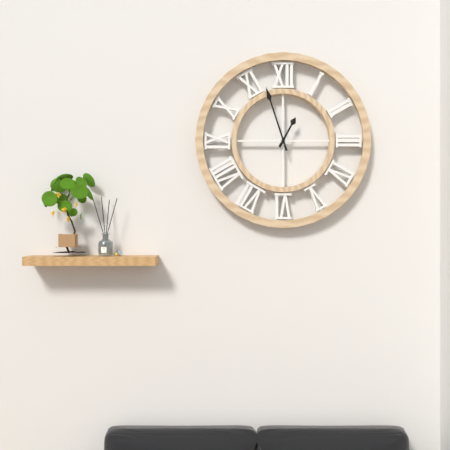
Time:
12:57
